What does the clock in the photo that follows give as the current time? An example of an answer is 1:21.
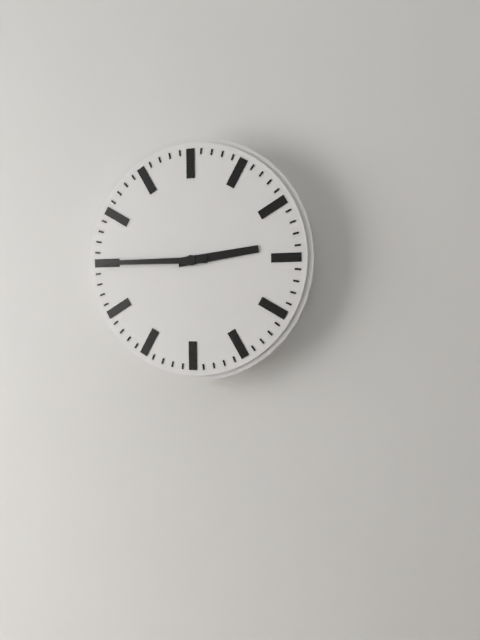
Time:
2:45
